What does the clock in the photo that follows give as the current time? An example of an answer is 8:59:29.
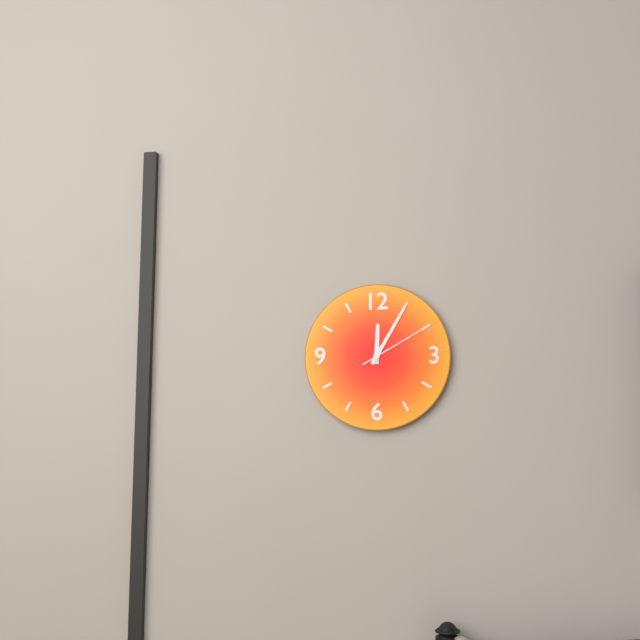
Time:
12:05:10
